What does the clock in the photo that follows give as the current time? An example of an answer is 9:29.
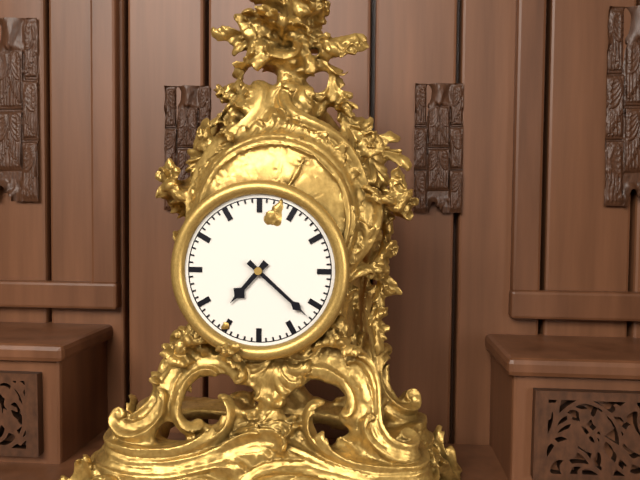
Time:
7:22
